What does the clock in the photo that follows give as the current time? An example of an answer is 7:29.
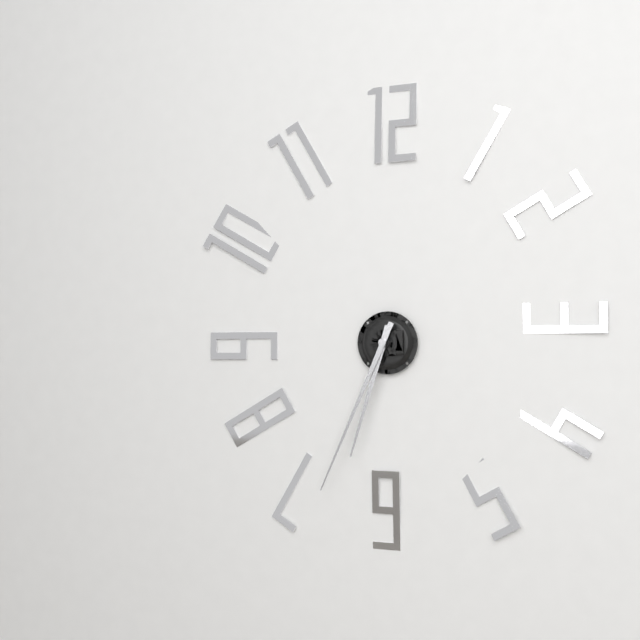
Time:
6:34
